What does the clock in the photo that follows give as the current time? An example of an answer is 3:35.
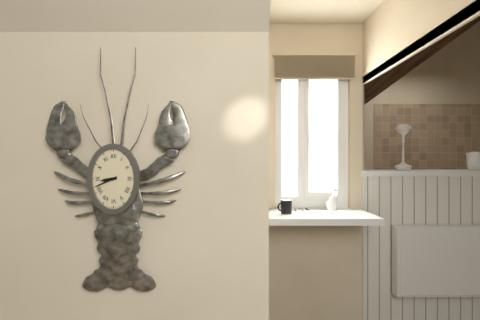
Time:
8:41
